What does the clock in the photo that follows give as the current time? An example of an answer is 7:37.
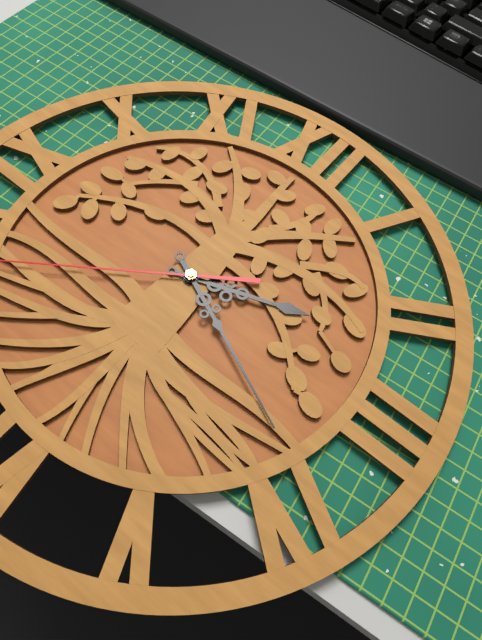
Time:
2:19
